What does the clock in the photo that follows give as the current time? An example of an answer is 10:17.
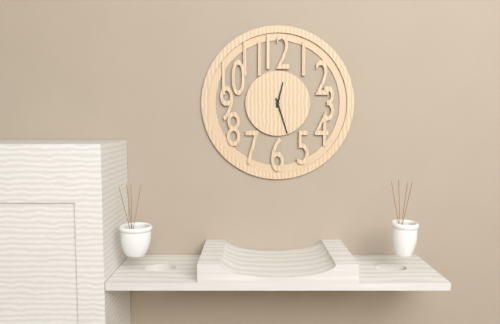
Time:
12:27
